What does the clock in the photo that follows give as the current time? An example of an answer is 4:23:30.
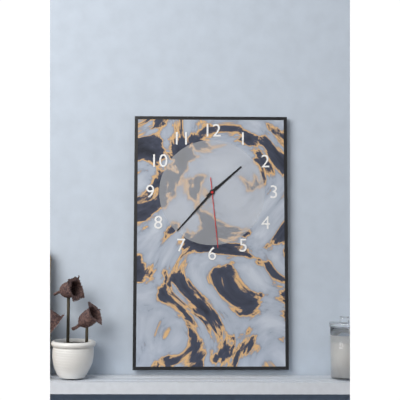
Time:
1:37:29
